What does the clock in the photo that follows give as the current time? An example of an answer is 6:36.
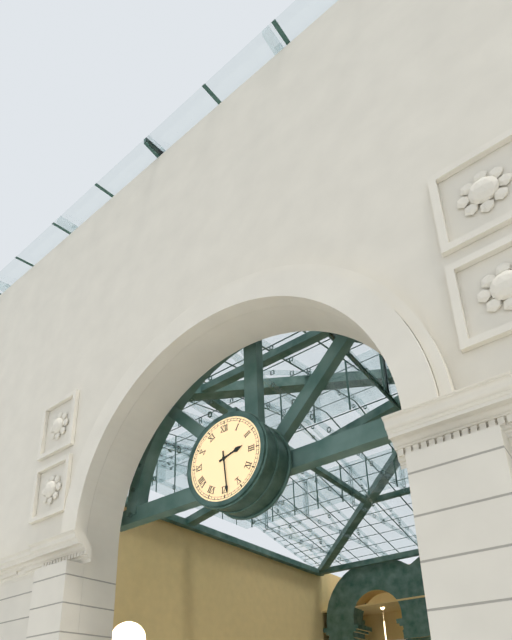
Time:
2:29
